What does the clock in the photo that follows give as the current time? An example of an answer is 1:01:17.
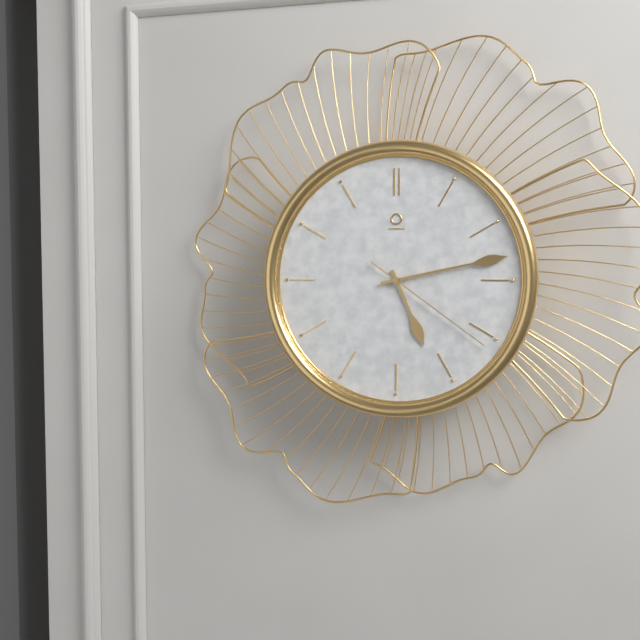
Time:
5:13:21
